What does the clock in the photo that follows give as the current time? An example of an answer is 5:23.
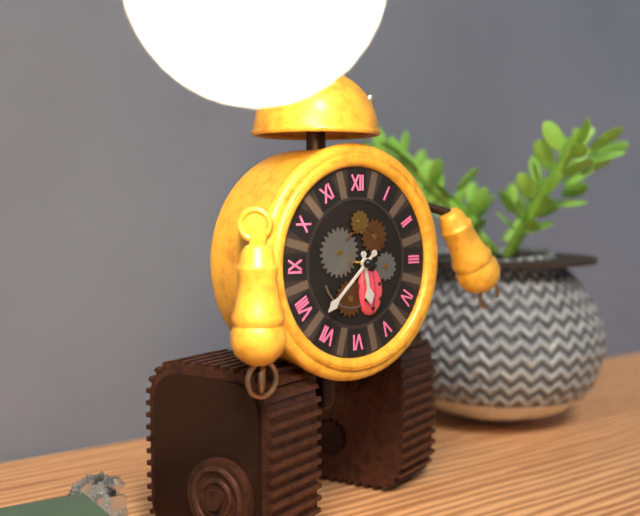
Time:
5:38
